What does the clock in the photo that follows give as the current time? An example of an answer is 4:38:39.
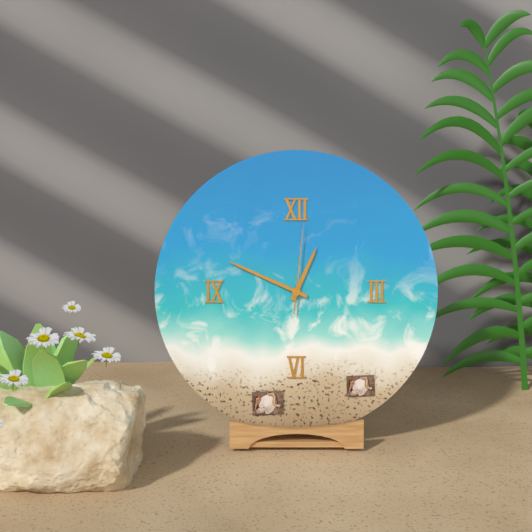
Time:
12:49:01
